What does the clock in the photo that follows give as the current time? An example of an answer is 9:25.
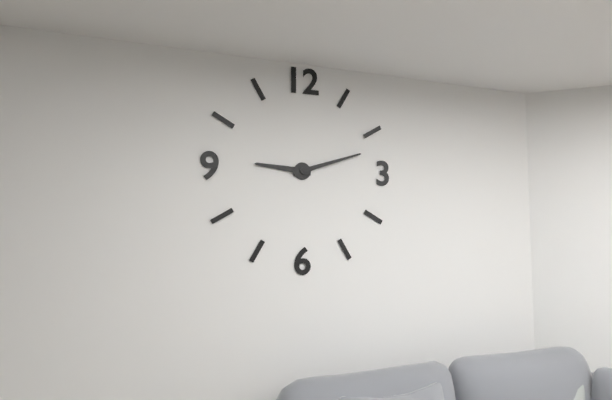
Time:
9:12
